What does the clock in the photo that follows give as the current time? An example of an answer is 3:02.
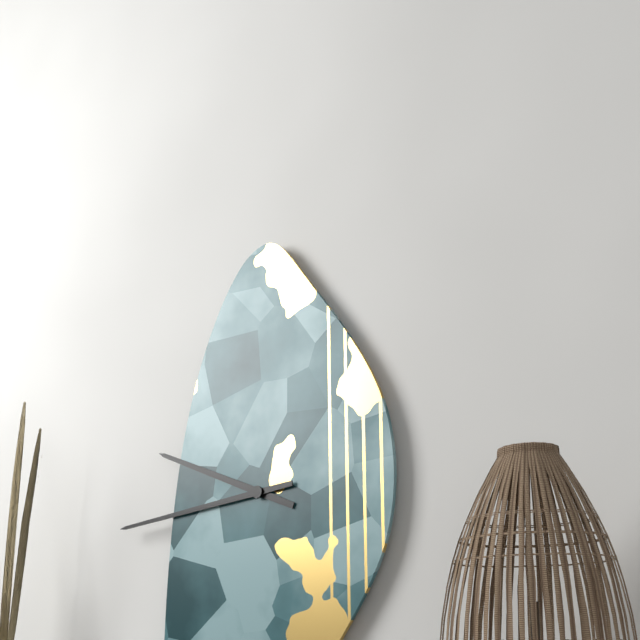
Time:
9:44
